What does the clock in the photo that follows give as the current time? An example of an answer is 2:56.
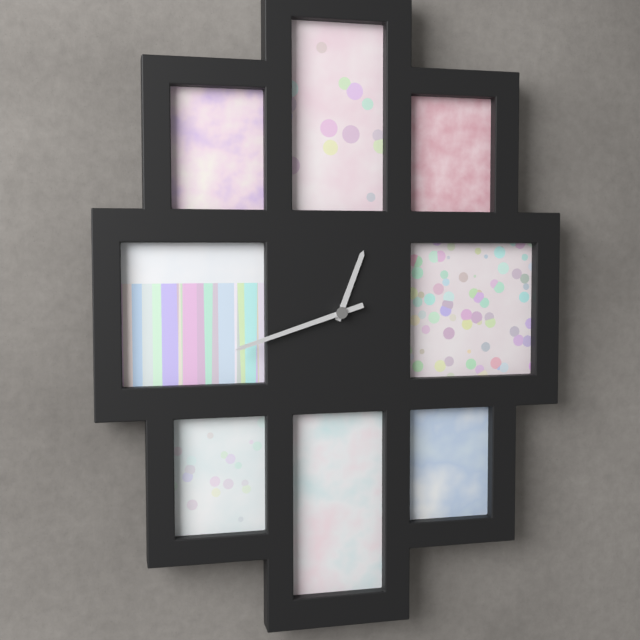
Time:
12:42
